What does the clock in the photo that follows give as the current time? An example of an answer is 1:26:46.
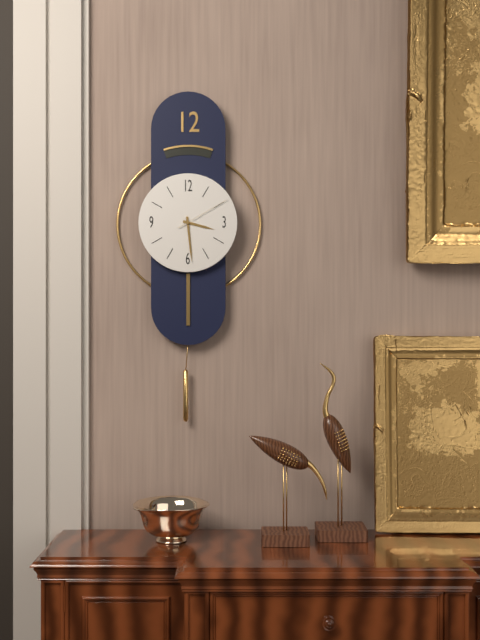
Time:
3:29:10
